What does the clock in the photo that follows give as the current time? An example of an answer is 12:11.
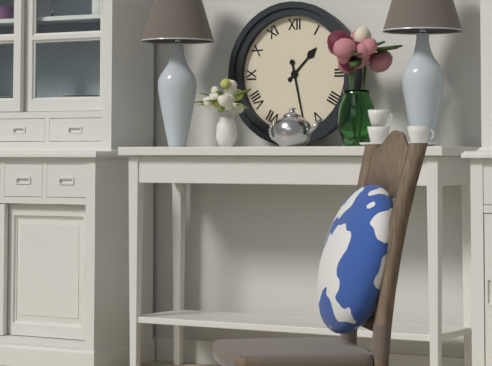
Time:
1:28
